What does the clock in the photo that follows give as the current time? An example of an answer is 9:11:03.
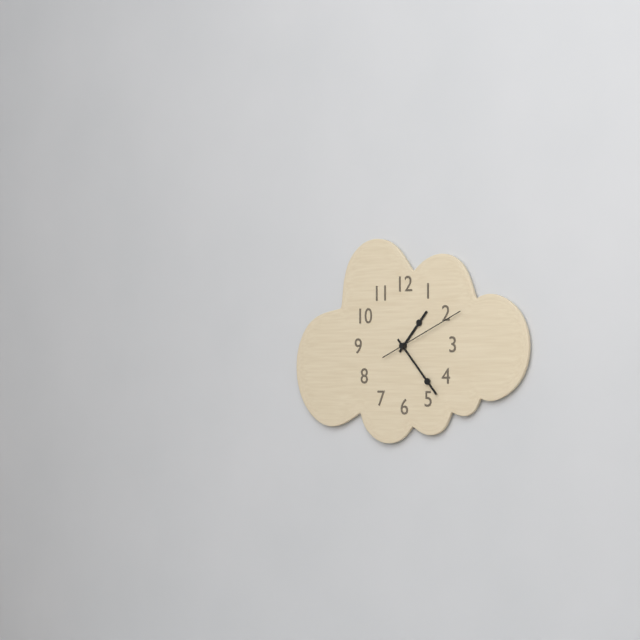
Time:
1:23:11
